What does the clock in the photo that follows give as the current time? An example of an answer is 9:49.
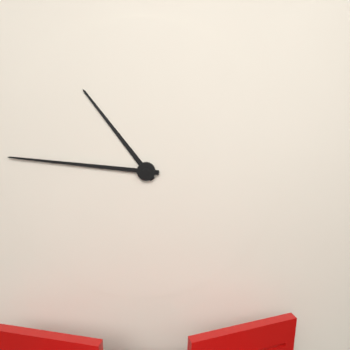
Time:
10:46
